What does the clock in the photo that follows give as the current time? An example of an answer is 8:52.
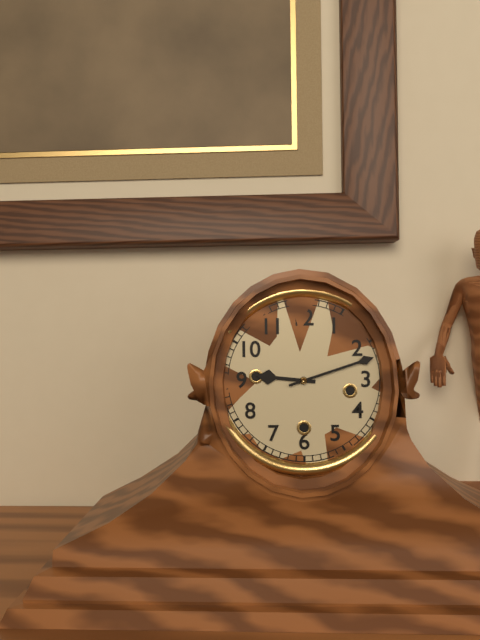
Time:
9:12
